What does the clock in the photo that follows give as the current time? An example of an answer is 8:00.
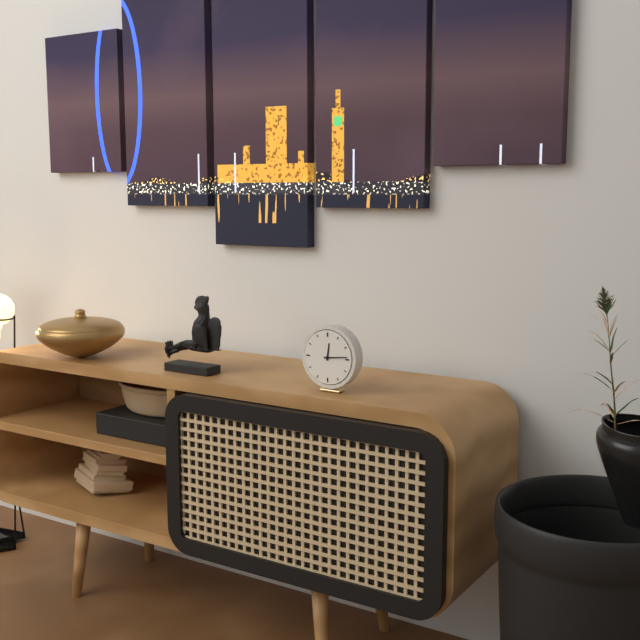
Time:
12:14
